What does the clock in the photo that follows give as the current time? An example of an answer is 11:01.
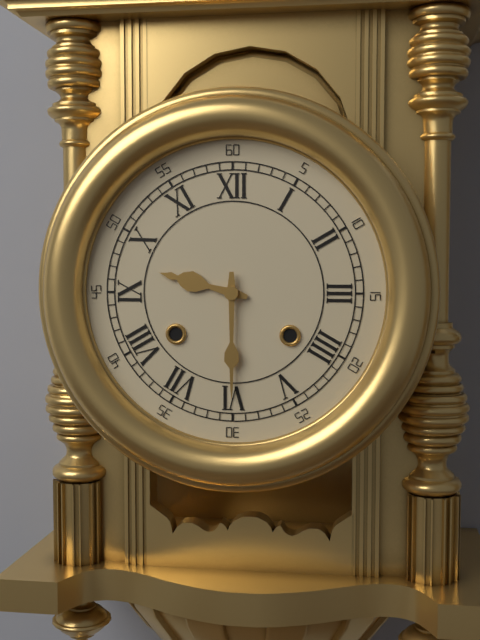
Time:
9:30
